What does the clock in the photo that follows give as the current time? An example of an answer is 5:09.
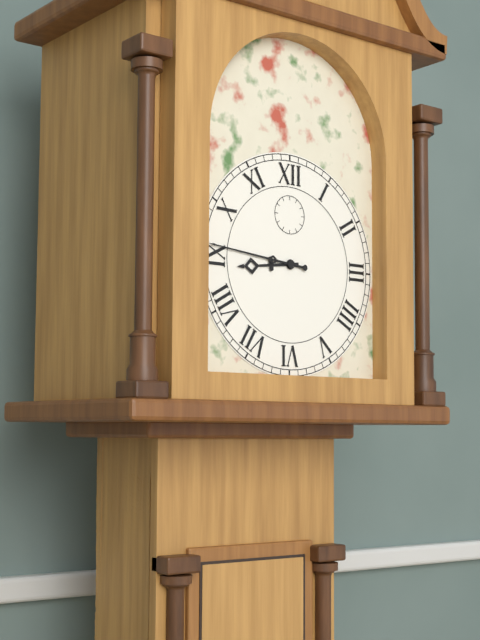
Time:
8:46
